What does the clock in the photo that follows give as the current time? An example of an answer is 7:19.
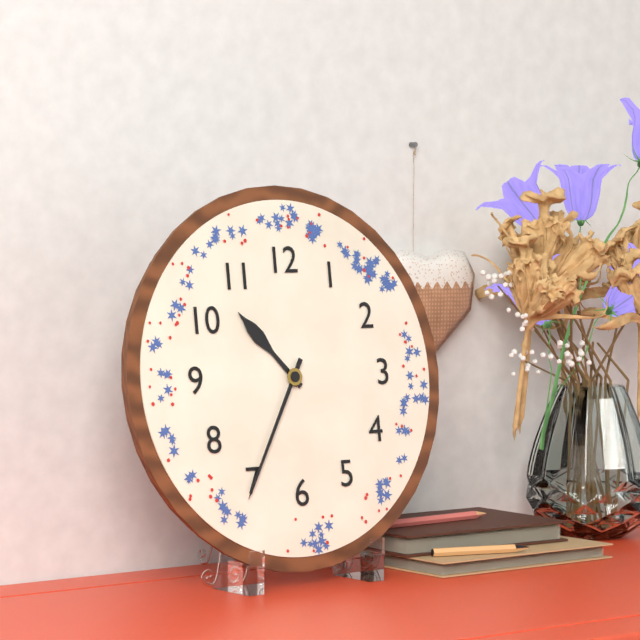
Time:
10:35
